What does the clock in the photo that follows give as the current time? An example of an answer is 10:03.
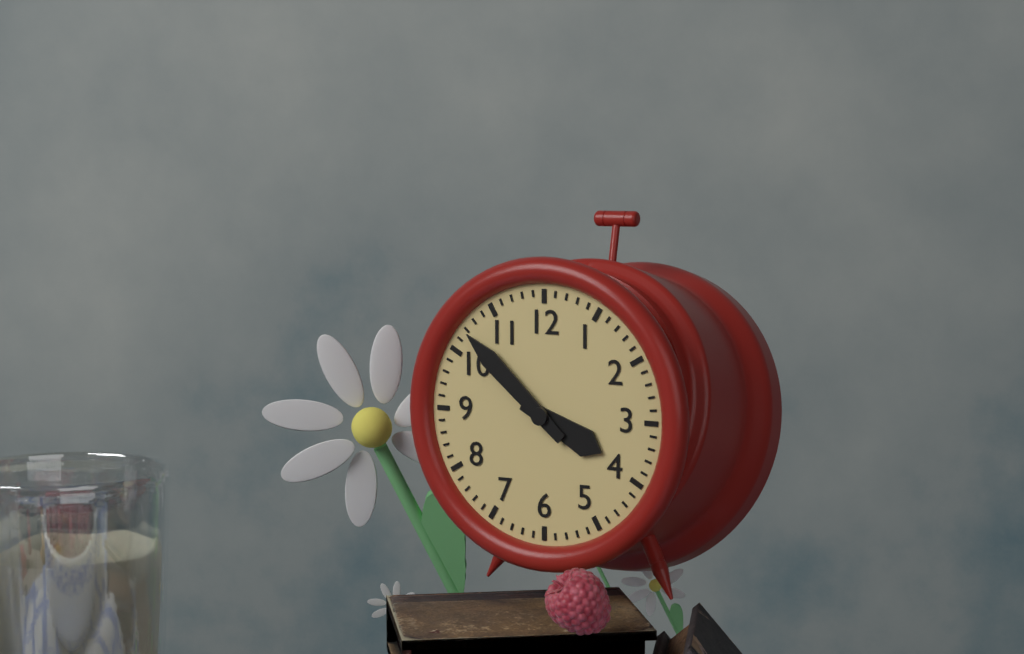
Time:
3:52
